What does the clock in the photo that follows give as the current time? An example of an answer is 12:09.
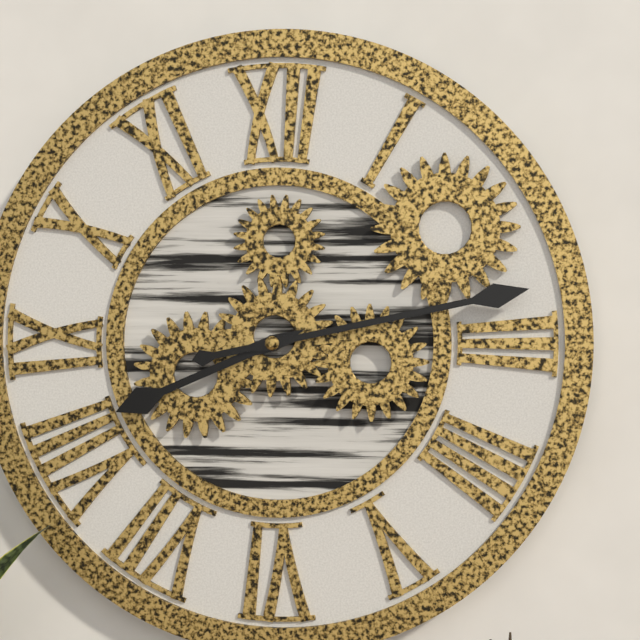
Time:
8:13
